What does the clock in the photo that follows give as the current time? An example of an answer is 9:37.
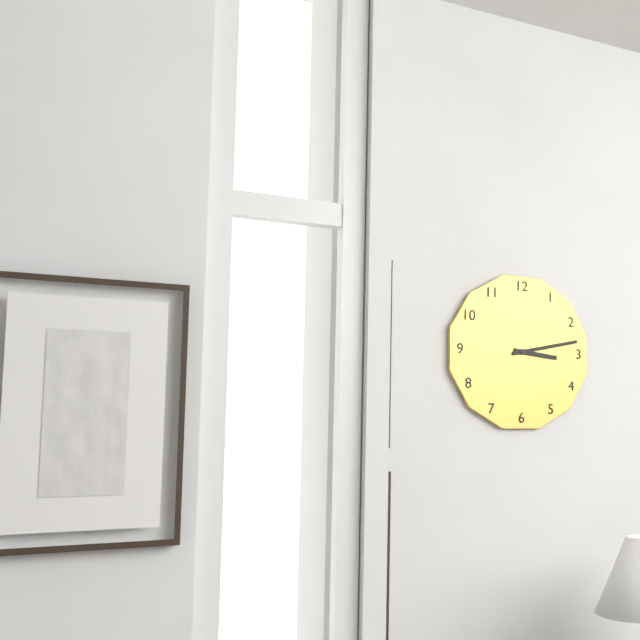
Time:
3:13
